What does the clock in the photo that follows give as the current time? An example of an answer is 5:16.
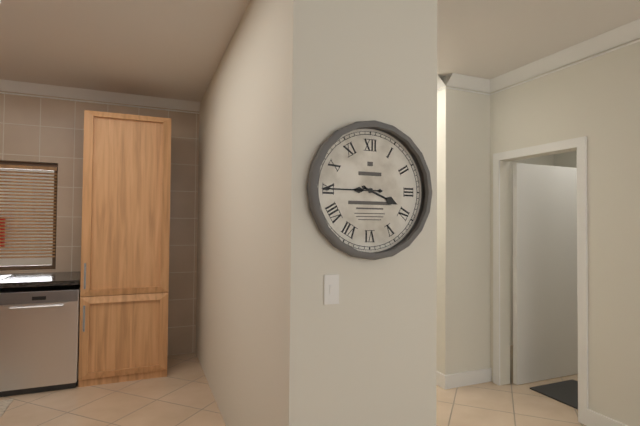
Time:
3:45
